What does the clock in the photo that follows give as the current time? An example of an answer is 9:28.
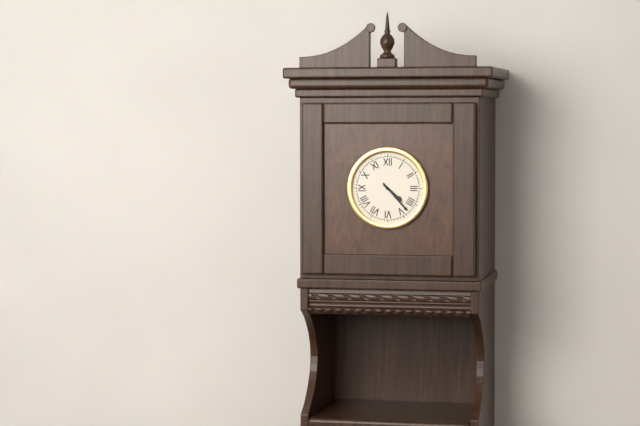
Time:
4:23
